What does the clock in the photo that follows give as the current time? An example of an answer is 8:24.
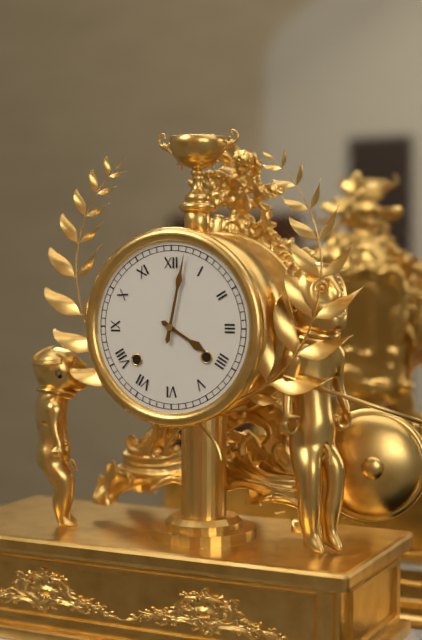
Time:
4:02
